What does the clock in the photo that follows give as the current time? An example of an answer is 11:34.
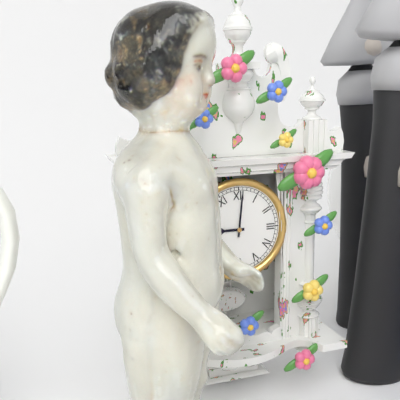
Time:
9:01
